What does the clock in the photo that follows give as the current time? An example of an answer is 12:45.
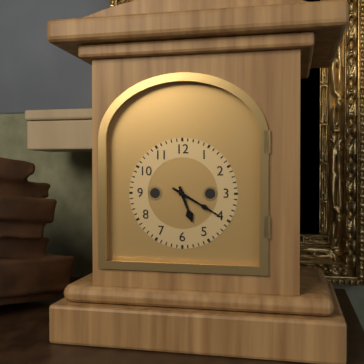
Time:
5:20
